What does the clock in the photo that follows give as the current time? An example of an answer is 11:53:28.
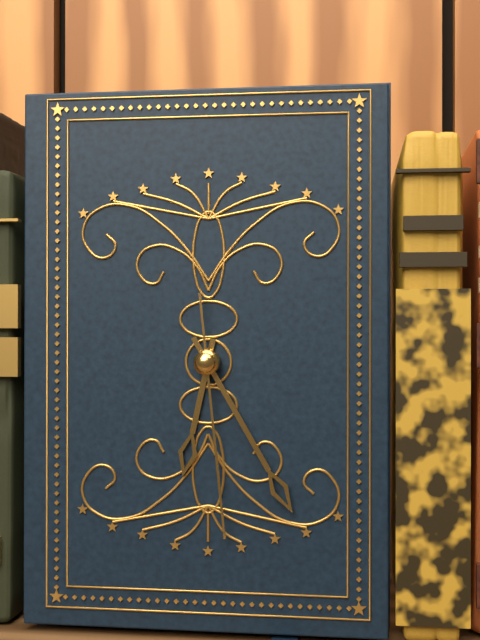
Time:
6:25:29
